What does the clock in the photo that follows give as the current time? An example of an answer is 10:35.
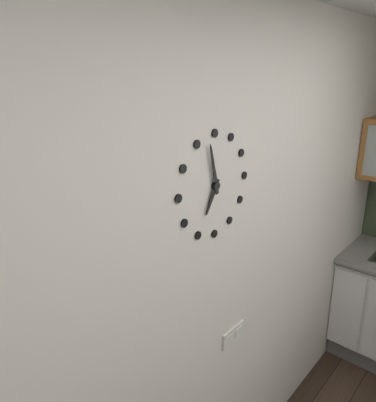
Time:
6:58
